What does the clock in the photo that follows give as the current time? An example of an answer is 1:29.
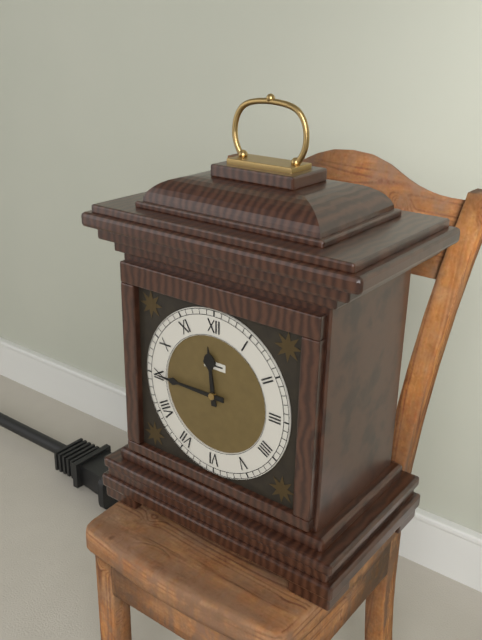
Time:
11:45
